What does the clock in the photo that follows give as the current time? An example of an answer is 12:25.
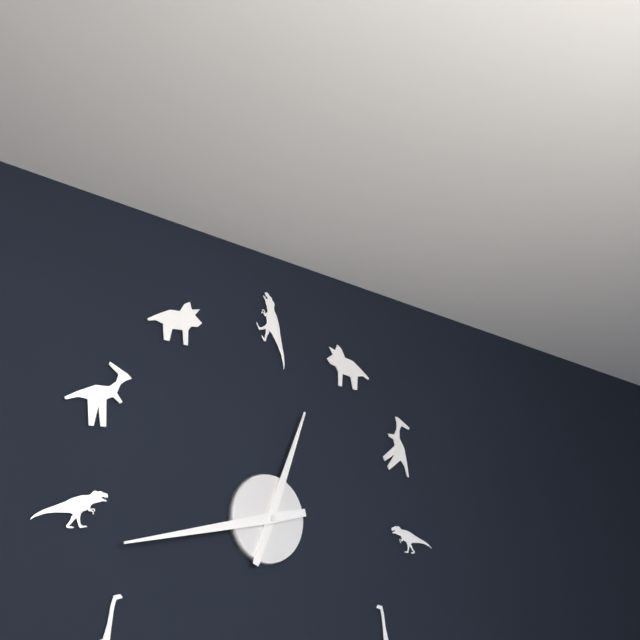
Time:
12:43
